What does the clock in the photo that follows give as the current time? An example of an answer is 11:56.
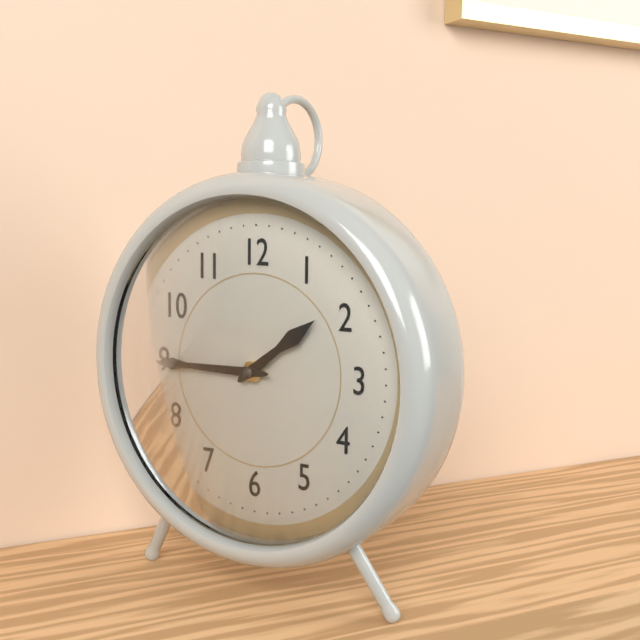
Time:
1:45
